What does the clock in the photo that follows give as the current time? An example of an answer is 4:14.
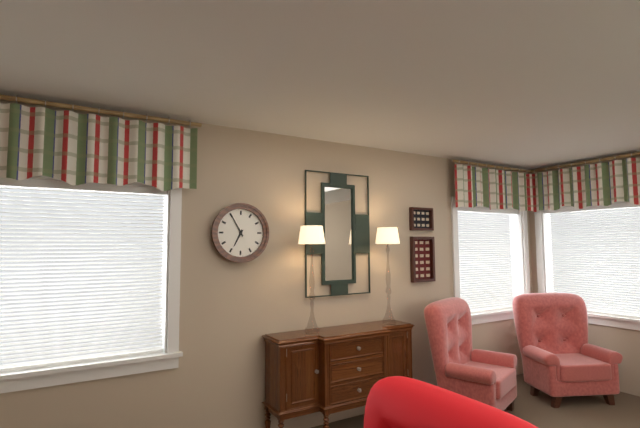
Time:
6:55
